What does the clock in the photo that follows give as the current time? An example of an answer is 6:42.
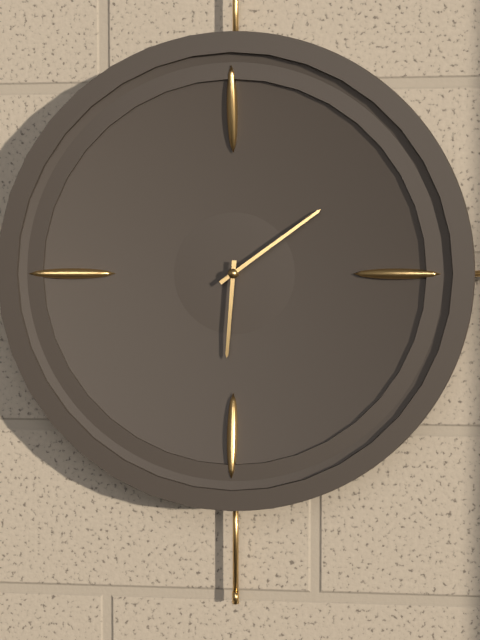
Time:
6:09
